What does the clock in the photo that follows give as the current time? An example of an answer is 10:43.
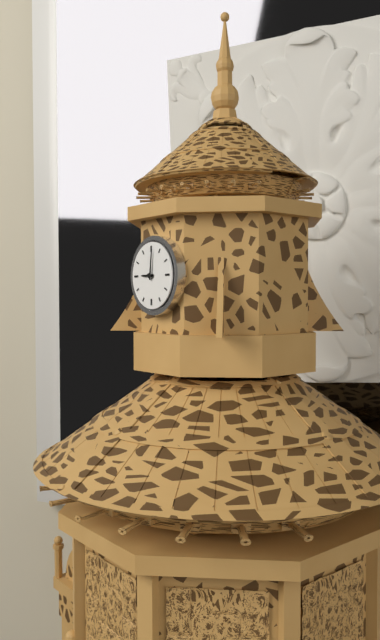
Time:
9:01
